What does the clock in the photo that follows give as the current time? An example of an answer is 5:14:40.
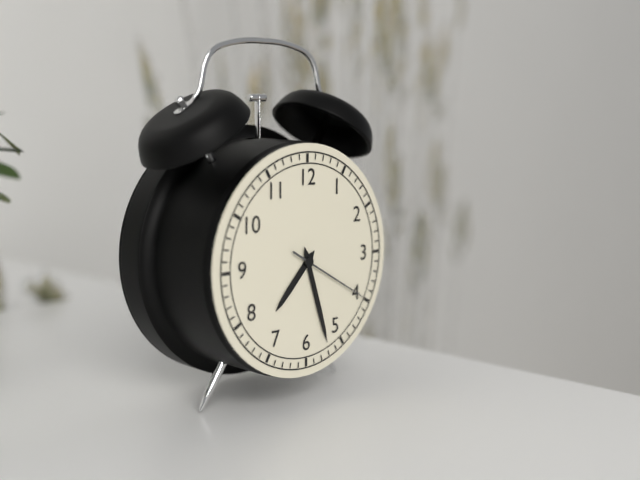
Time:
7:27:20
